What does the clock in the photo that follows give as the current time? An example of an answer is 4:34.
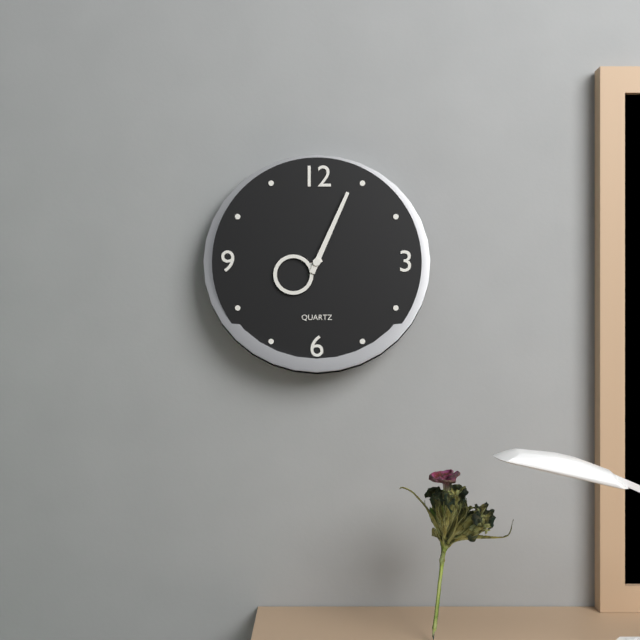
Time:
8:04
